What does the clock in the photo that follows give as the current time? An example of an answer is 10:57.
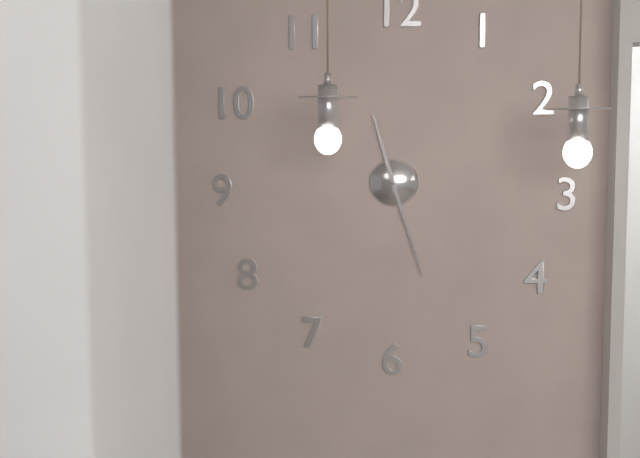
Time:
11:27
